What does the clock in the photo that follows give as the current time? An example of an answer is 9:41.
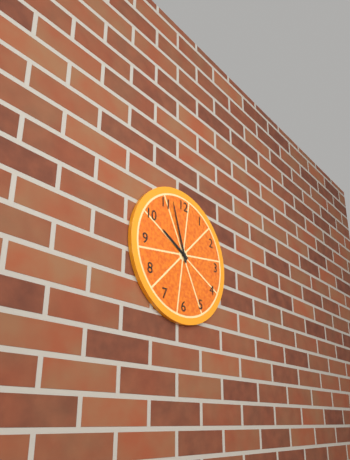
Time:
9:57
